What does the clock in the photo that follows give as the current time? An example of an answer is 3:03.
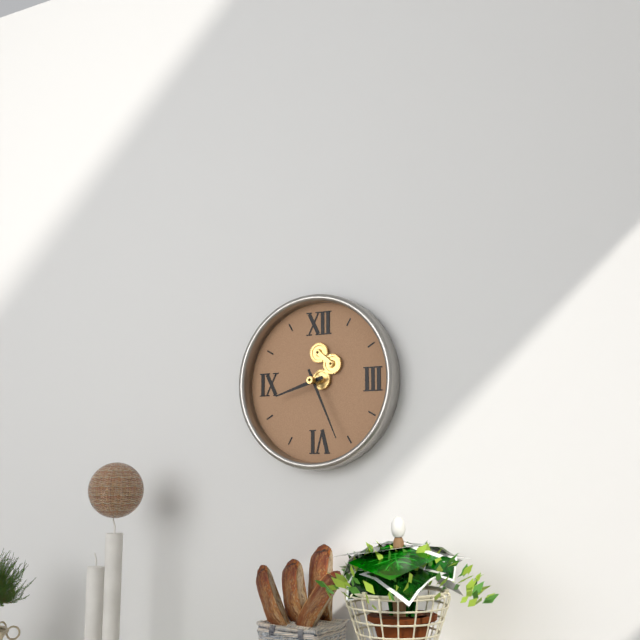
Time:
8:26
